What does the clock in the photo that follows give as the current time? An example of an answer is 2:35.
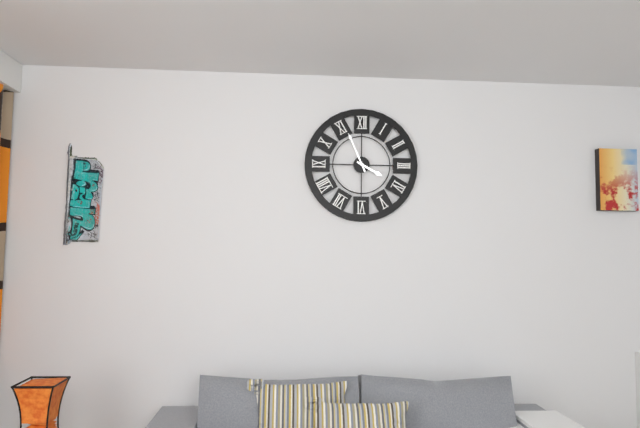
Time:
3:56
